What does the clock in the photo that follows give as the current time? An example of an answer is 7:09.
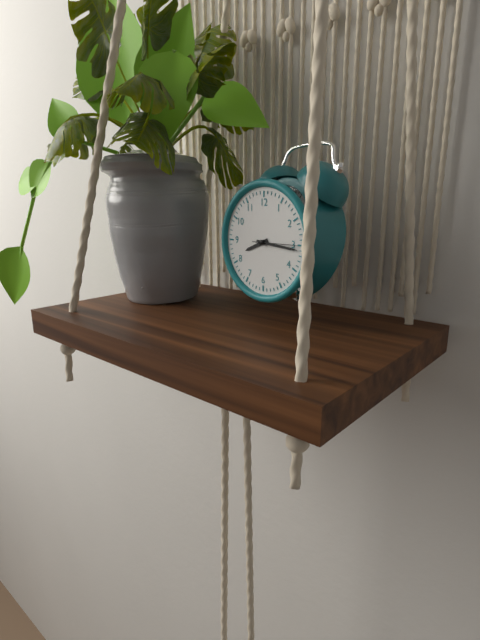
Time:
8:16
